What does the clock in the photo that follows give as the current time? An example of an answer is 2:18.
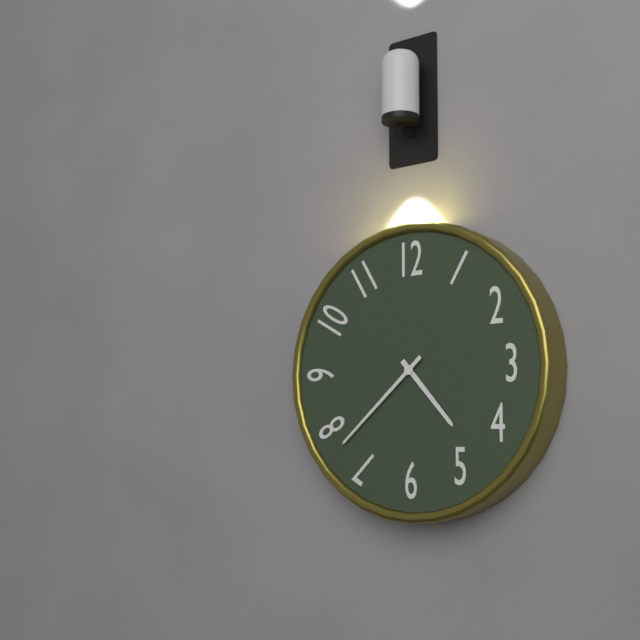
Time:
4:38
